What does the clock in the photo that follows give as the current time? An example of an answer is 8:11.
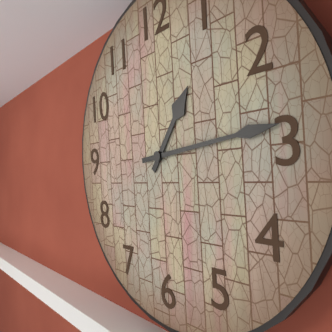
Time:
1:14
